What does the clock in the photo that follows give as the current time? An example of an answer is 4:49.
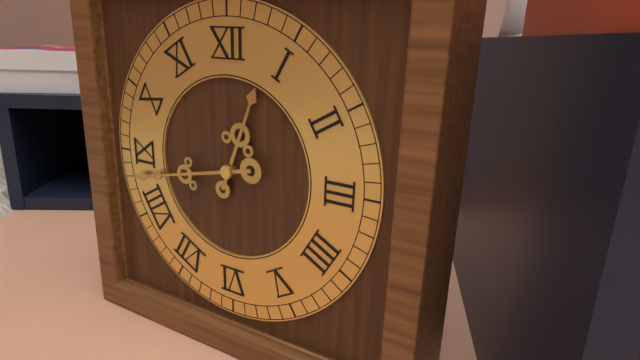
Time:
12:43
